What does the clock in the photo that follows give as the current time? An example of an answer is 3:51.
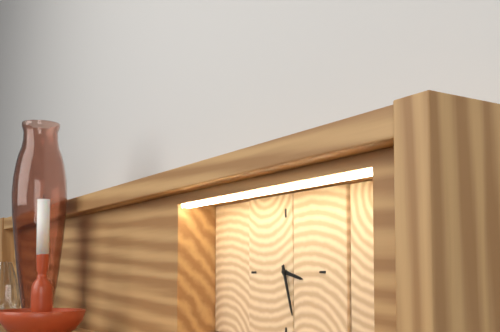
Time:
3:27
